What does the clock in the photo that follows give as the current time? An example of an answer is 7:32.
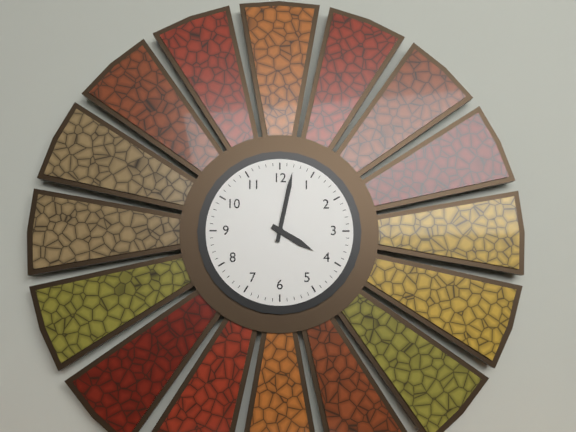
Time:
4:02
